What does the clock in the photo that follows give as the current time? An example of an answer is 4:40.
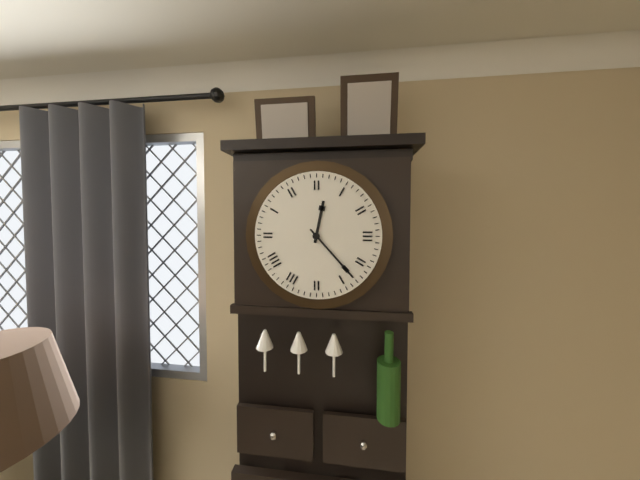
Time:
12:23
